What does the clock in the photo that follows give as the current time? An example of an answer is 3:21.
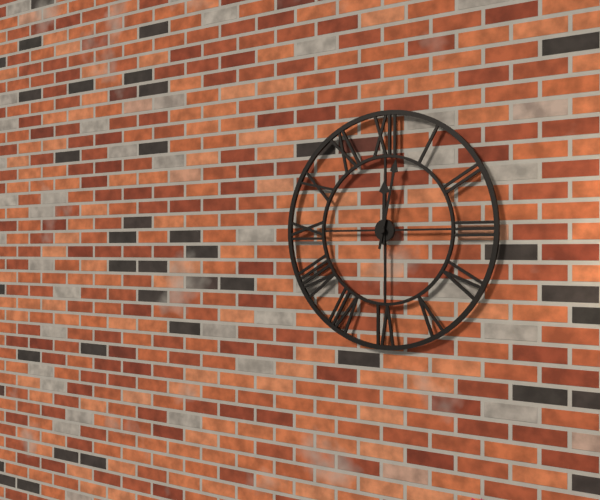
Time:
12:02
